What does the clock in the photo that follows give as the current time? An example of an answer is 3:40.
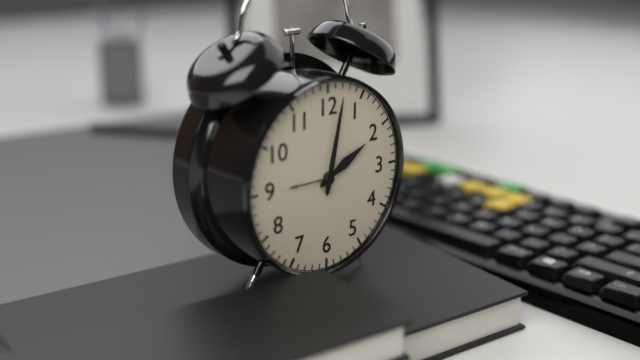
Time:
2:02
